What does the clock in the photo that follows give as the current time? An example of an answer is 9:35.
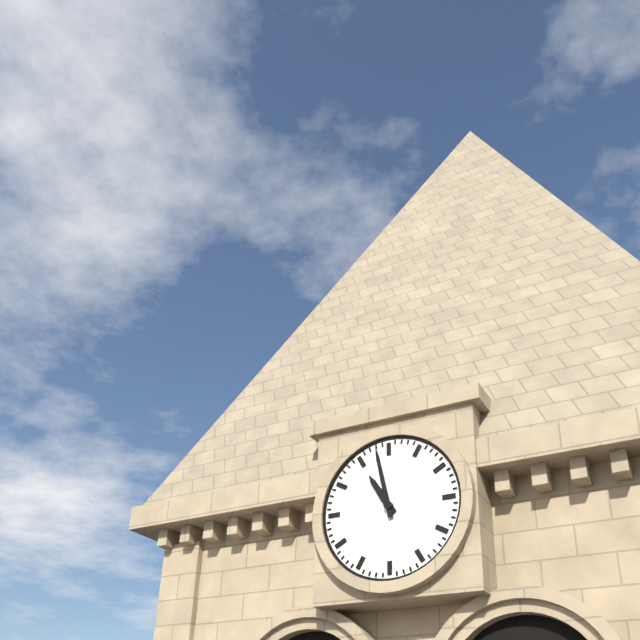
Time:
10:58
